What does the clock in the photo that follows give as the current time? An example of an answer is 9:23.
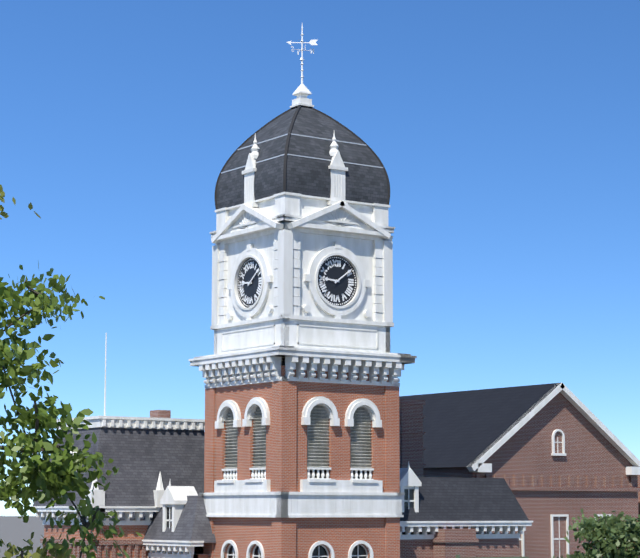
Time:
9:09
